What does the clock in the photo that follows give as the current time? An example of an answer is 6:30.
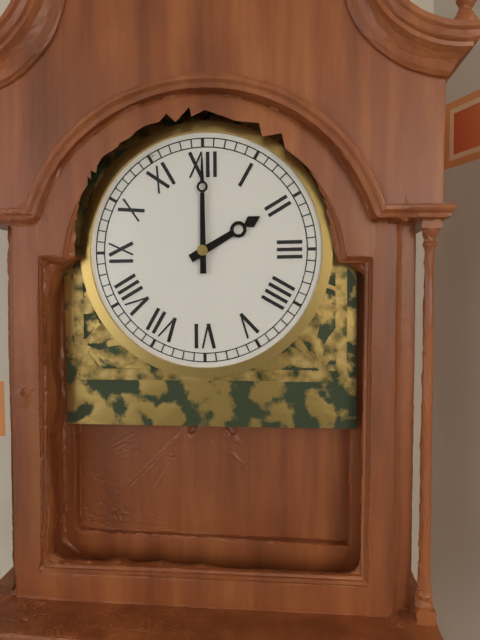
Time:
2:00
